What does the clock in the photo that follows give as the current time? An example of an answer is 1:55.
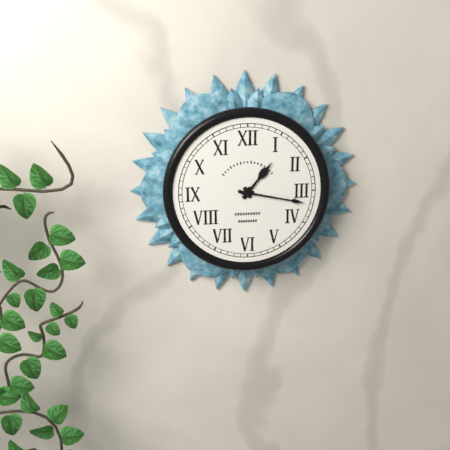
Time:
1:17
